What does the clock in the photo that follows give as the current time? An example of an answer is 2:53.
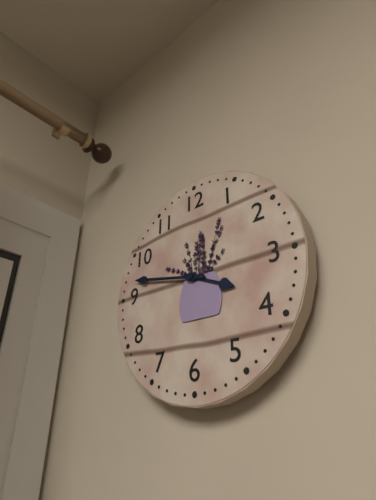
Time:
3:47
